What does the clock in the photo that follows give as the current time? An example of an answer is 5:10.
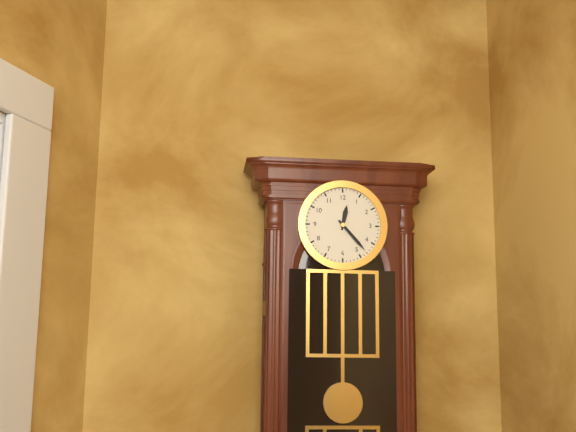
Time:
12:23
